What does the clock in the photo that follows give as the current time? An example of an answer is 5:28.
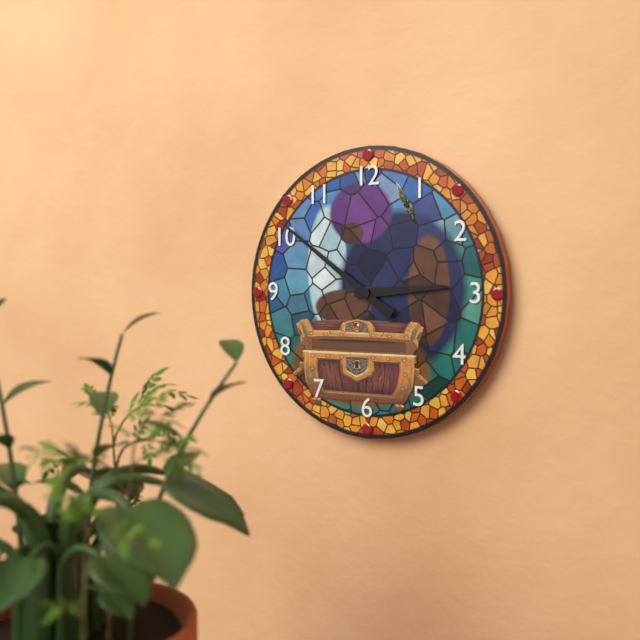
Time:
2:51
